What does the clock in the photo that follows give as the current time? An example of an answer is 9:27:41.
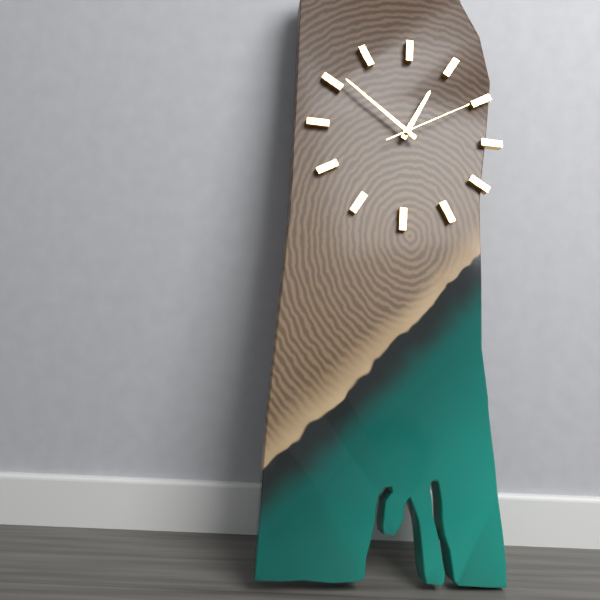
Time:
12:51:10
